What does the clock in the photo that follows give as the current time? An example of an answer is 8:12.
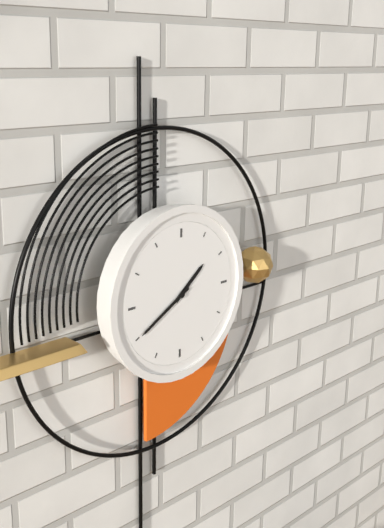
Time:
1:40
